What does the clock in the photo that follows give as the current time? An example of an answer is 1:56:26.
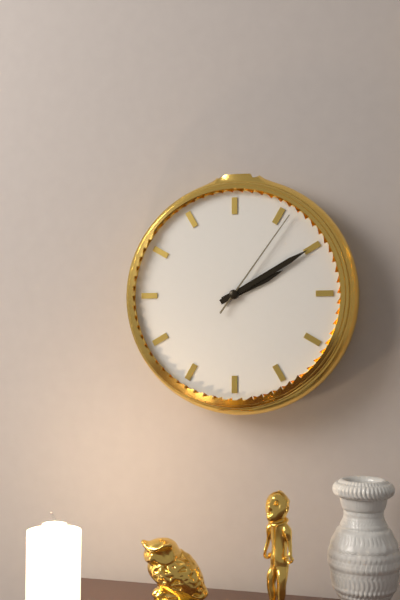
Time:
2:10:06
